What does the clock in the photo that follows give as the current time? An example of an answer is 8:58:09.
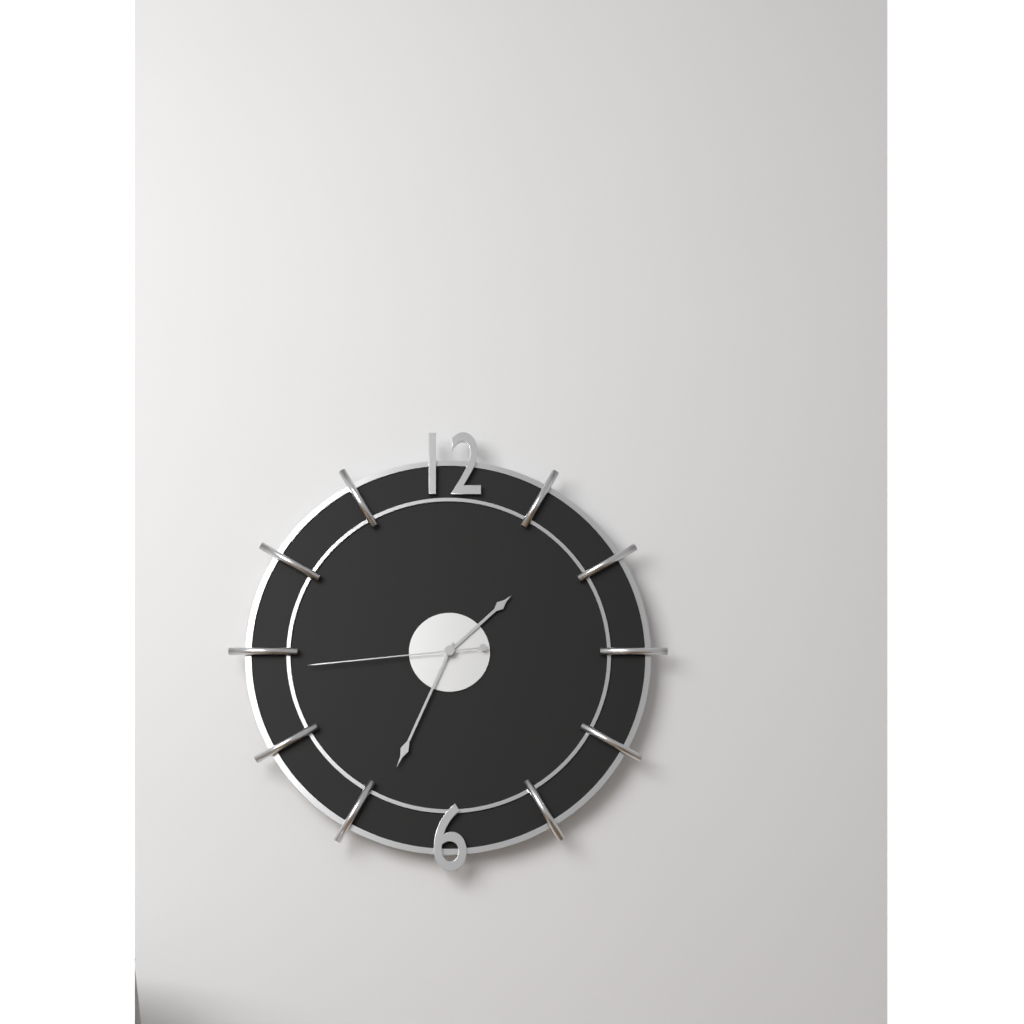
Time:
1:34:44
